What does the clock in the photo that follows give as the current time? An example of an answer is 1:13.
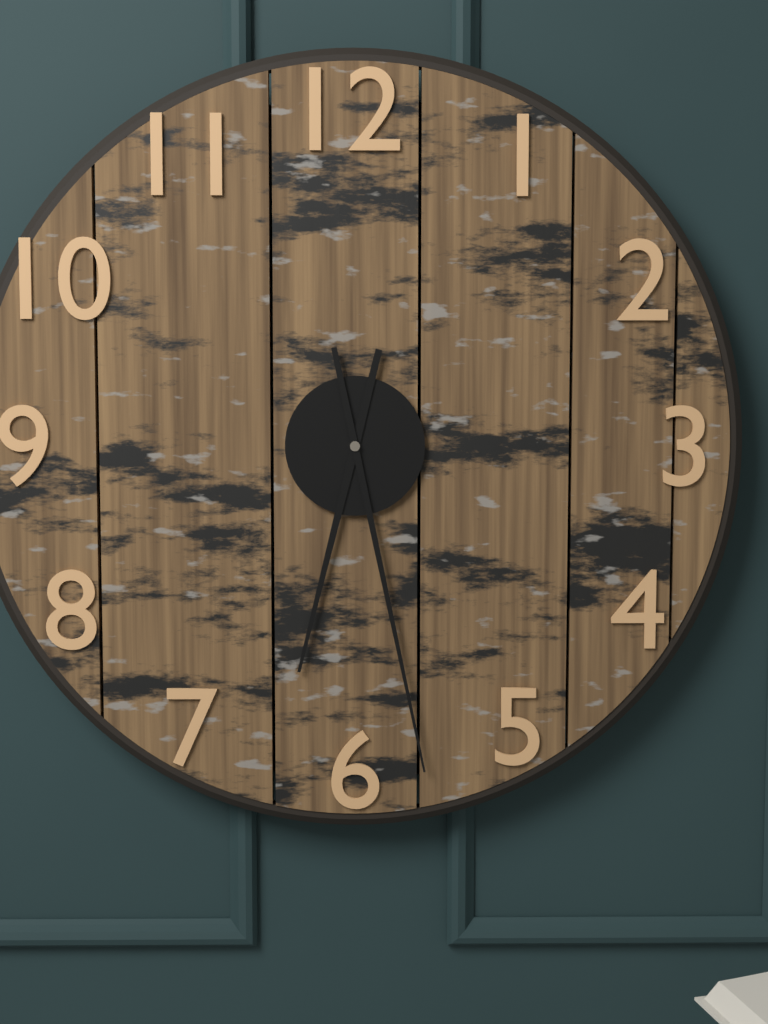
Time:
6:28
